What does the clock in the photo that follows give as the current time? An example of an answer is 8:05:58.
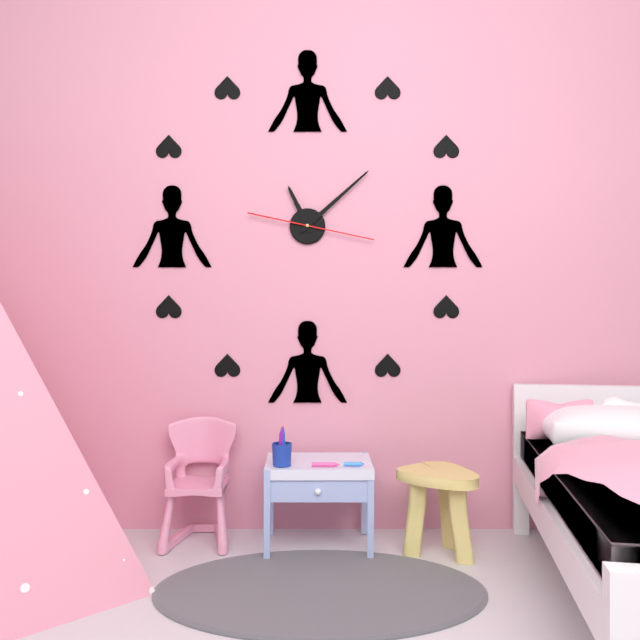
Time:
11:08:17
